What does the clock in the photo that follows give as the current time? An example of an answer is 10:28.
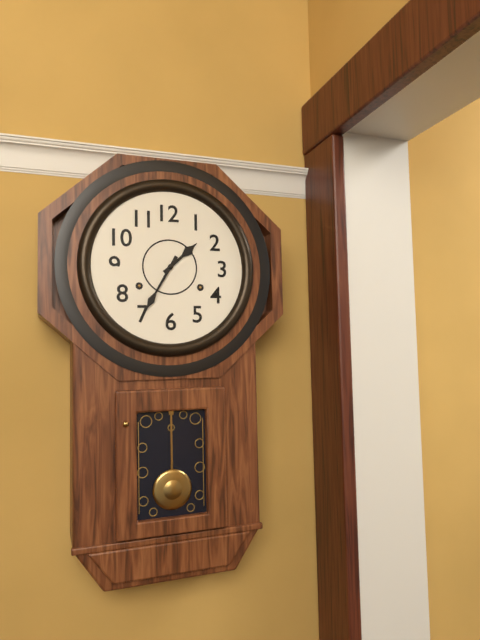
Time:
1:35
